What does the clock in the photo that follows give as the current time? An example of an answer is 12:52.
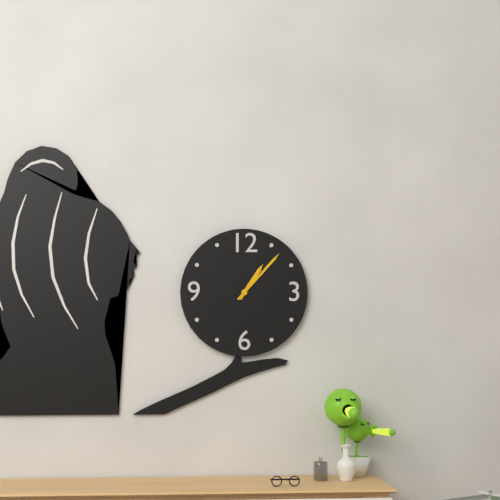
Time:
1:07
